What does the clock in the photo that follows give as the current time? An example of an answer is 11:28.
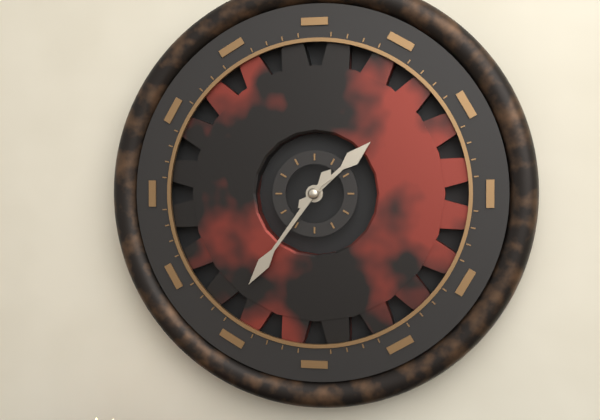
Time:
1:36
